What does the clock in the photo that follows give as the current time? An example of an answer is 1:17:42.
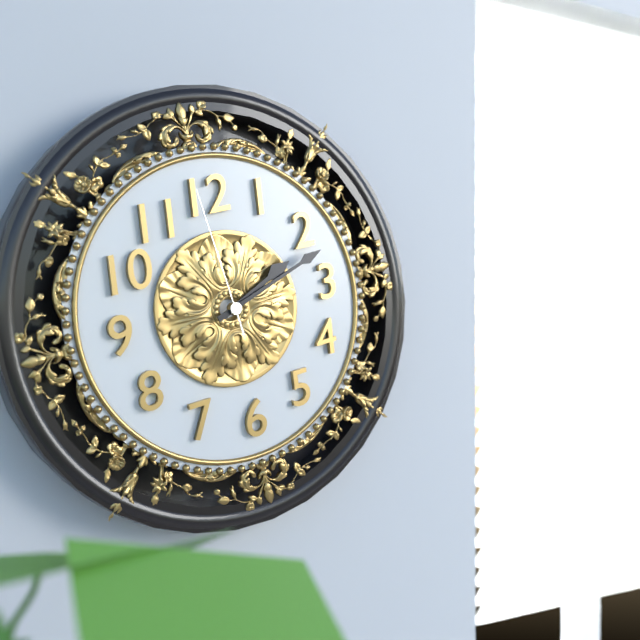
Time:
2:12:59
